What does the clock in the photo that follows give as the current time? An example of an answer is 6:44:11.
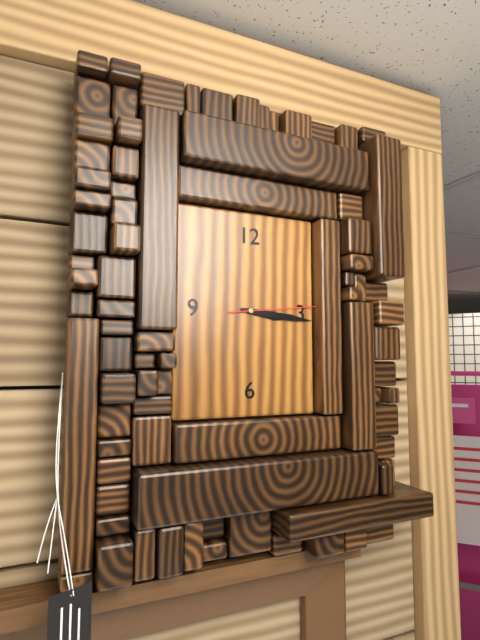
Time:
3:16:14
